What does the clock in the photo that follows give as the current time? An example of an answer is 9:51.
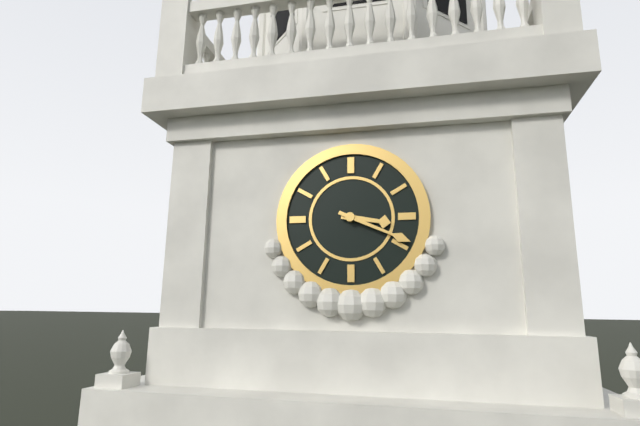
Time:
3:19
